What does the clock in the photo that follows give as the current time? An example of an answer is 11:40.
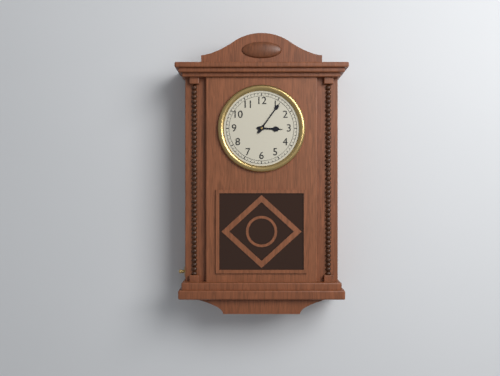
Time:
3:06
